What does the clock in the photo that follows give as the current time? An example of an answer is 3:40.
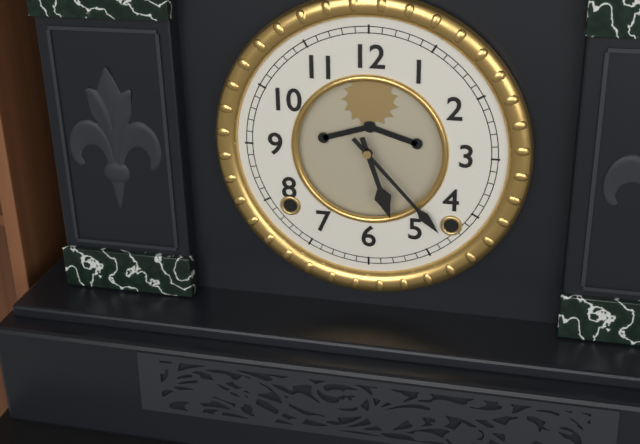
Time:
5:23
